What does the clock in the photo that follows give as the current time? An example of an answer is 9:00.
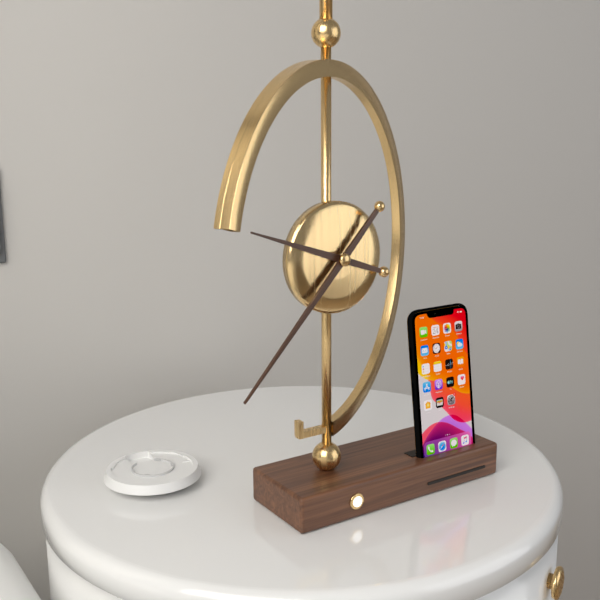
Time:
9:37
